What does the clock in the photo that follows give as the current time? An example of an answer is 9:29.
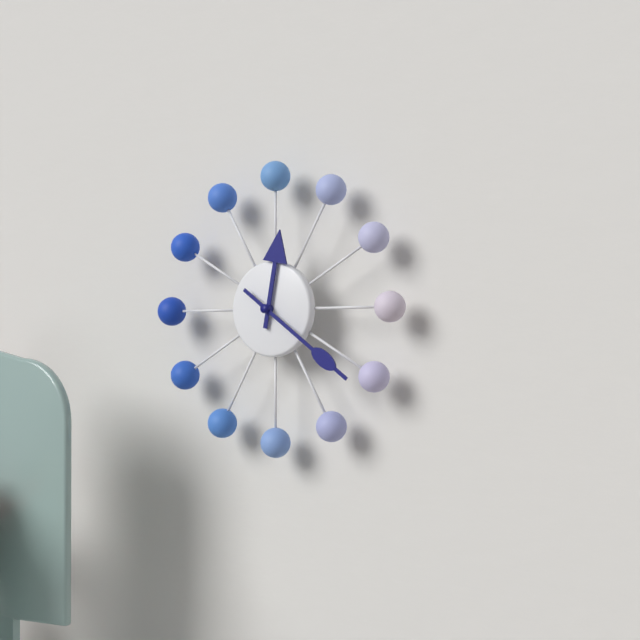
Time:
12:21
